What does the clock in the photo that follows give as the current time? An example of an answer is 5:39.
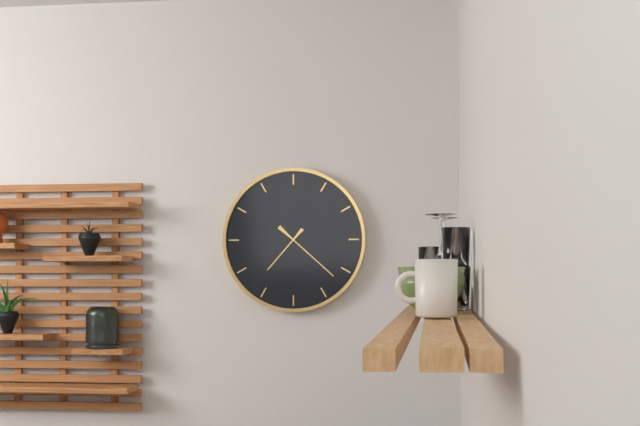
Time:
7:22
